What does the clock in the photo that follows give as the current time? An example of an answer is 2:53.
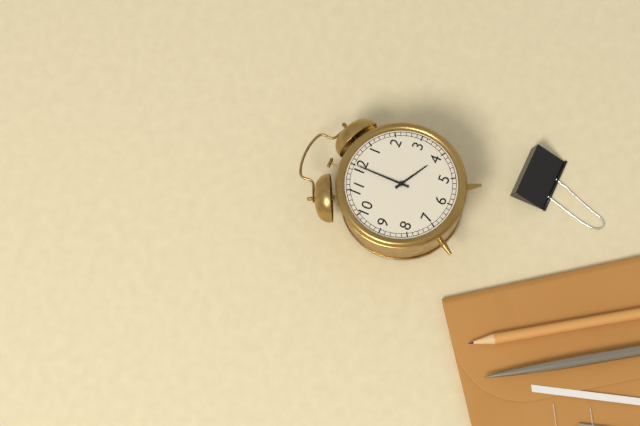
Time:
4:00
